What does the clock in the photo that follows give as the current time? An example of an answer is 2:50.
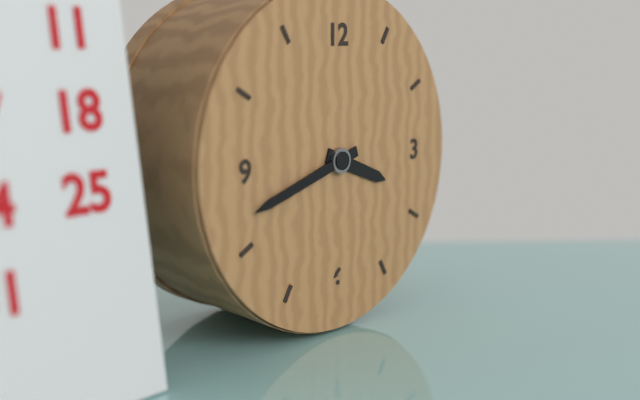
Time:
3:42
